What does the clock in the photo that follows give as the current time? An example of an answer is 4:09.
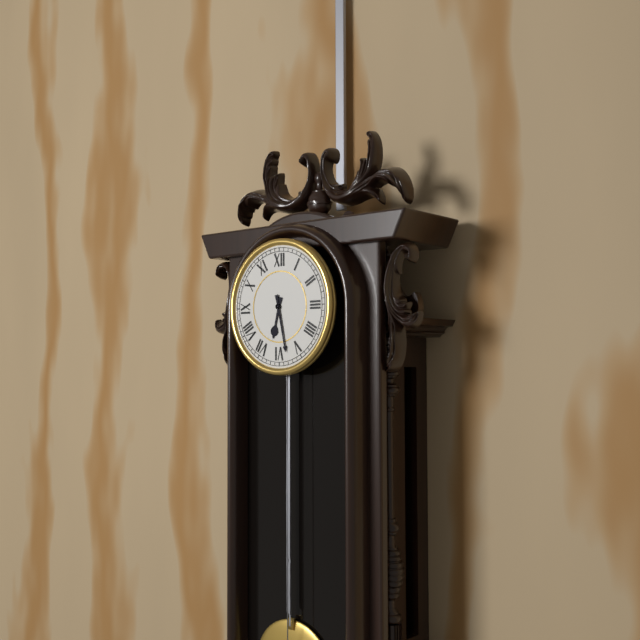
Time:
6:28
